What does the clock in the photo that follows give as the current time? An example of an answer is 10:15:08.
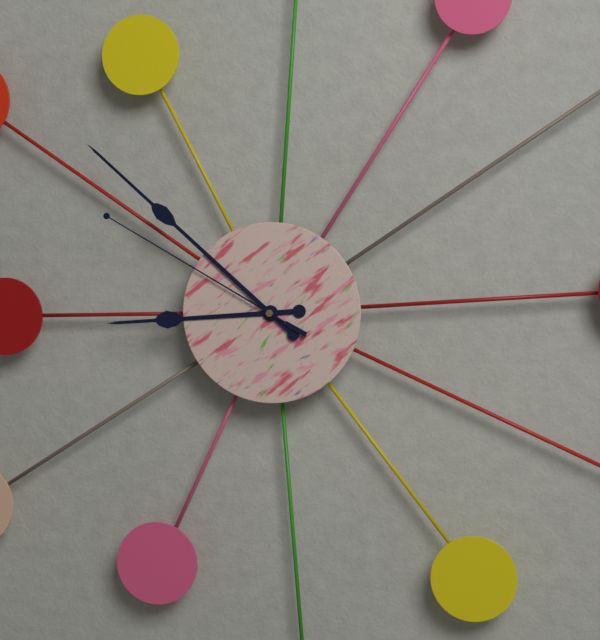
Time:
8:52:50
